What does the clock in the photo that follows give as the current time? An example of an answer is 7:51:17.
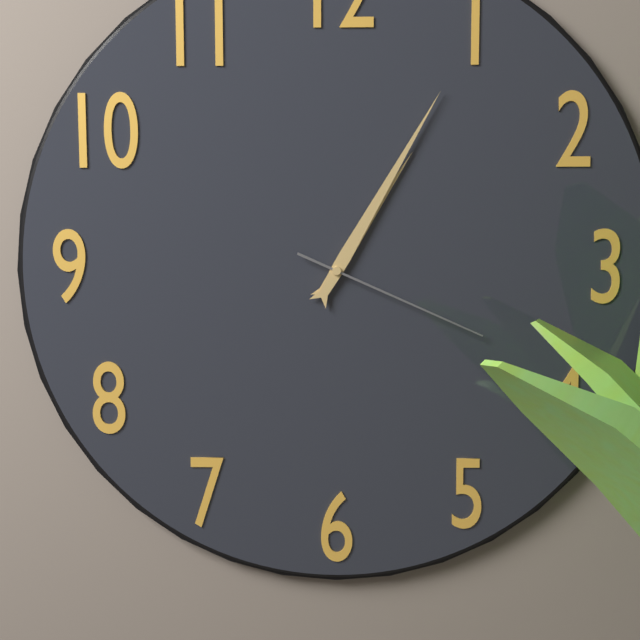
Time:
1:05:19
